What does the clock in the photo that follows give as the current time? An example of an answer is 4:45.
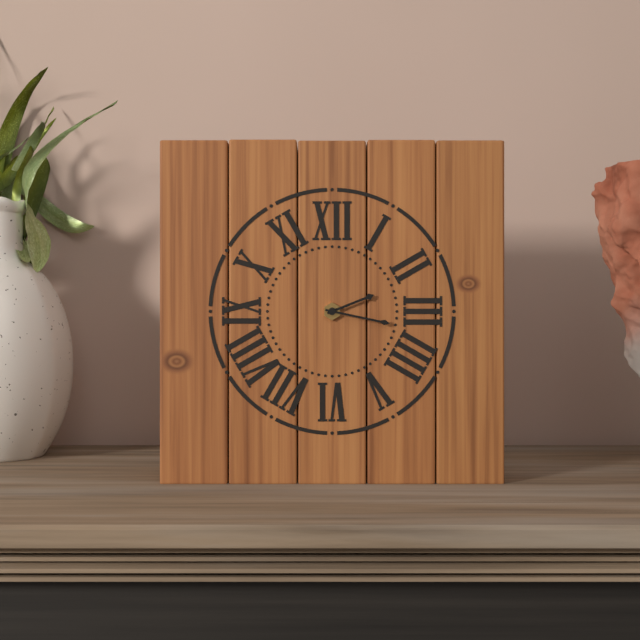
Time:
2:17
